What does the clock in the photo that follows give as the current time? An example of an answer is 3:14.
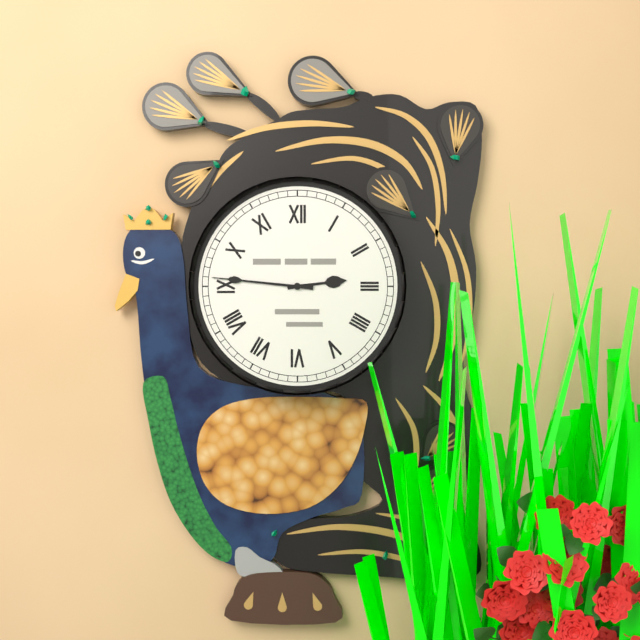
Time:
2:46
